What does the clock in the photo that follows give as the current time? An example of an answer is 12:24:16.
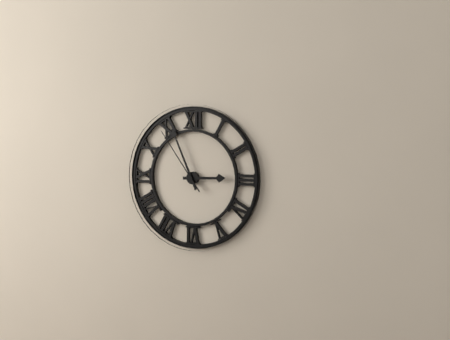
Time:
2:56:54
